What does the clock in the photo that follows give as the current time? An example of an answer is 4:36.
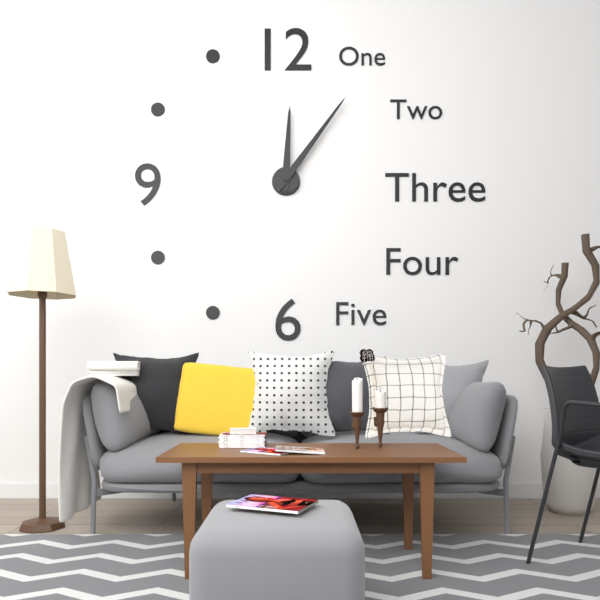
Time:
12:06
